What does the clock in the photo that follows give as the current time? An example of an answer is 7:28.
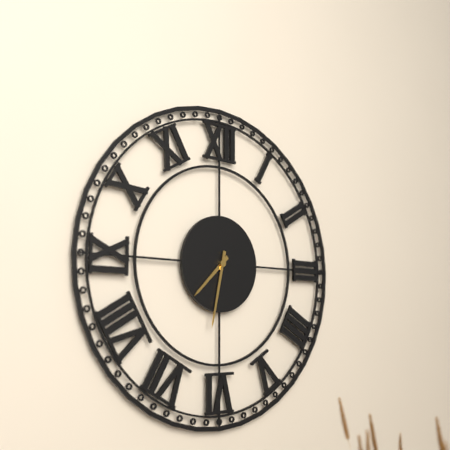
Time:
7:32
